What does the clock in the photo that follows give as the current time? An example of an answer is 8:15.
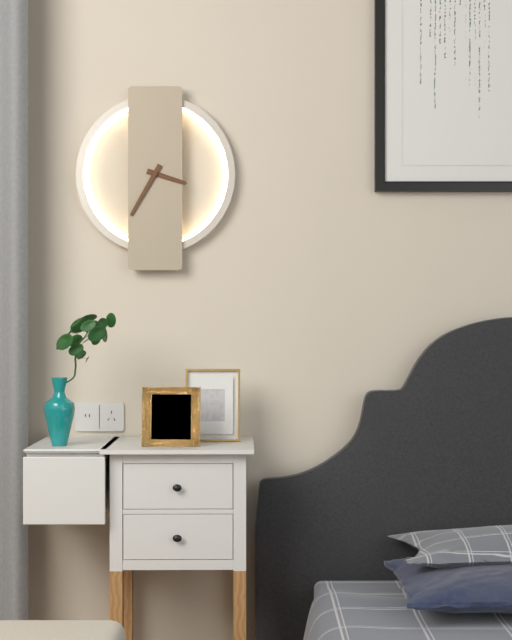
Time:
3:35
